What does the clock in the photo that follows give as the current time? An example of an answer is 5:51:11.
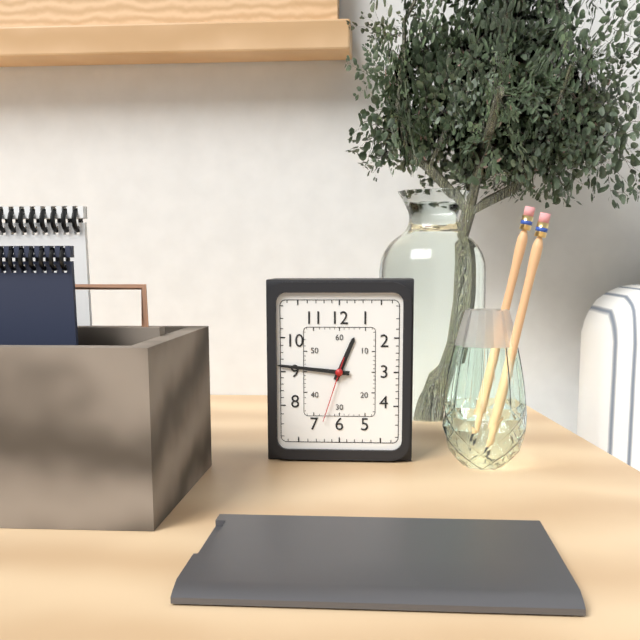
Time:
12:46:33
